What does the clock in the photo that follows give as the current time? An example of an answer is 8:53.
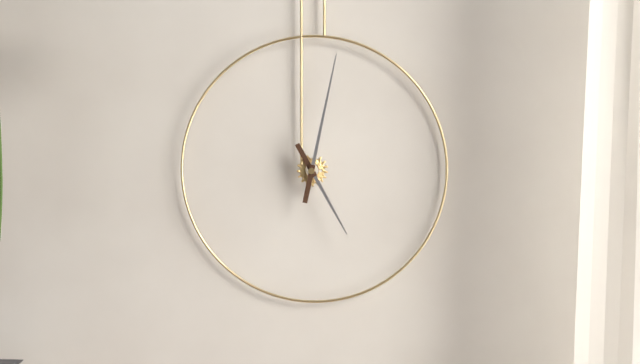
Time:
5:02
